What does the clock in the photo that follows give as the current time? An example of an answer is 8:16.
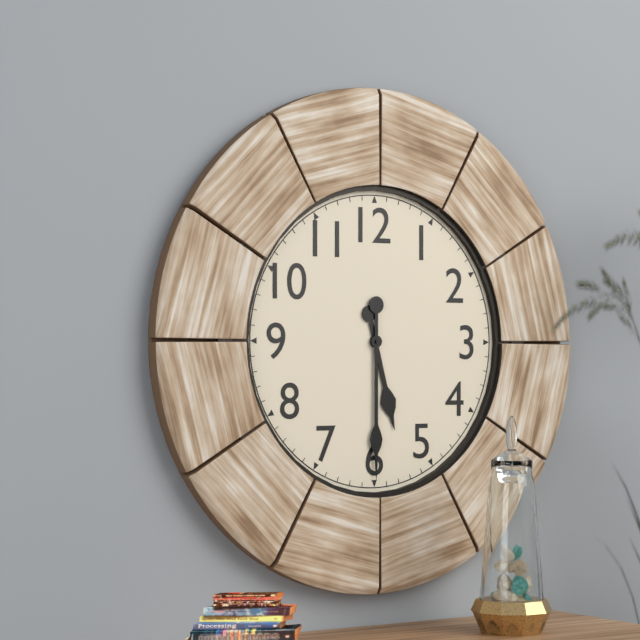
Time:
5:30
